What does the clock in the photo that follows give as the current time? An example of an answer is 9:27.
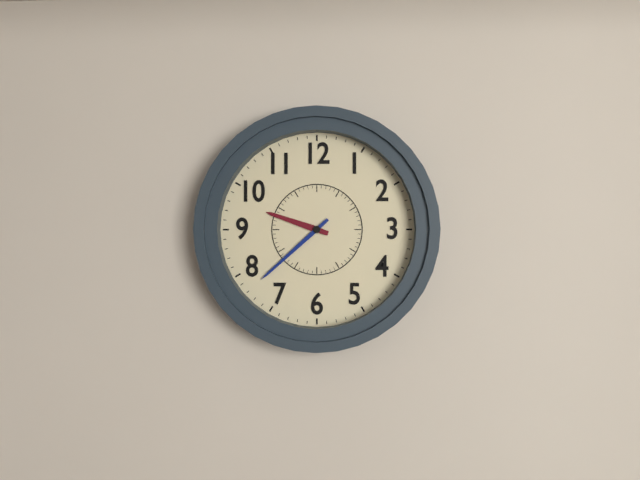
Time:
9:38
